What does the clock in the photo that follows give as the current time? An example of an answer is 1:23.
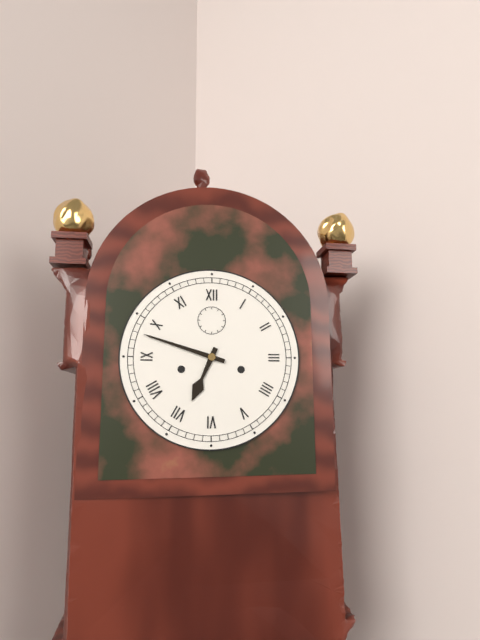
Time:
6:48
